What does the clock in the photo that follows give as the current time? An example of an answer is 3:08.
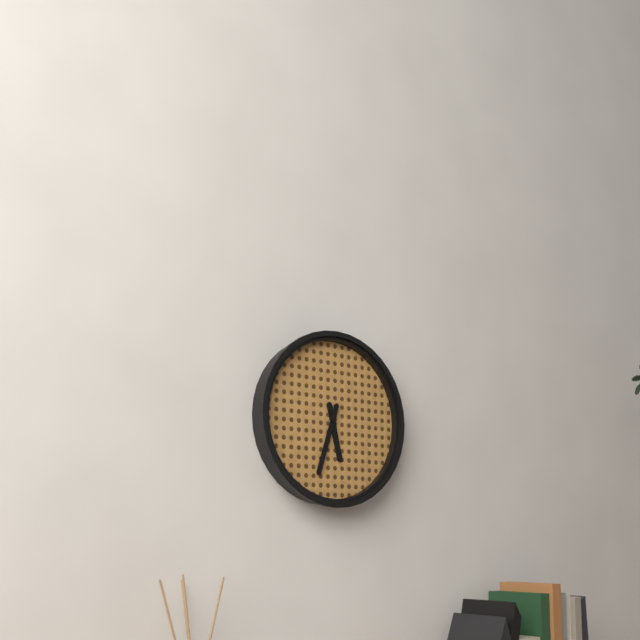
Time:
5:33
